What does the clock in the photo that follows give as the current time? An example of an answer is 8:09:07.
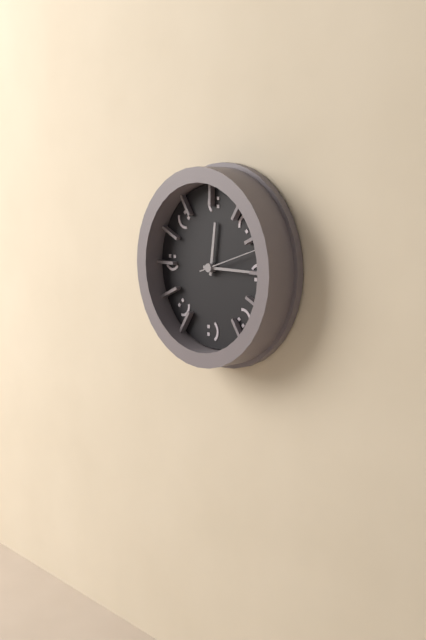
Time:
12:15:12
